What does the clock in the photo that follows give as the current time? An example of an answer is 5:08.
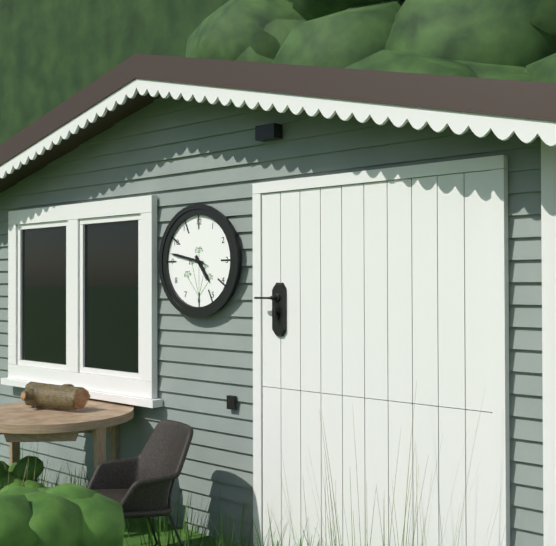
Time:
4:47
